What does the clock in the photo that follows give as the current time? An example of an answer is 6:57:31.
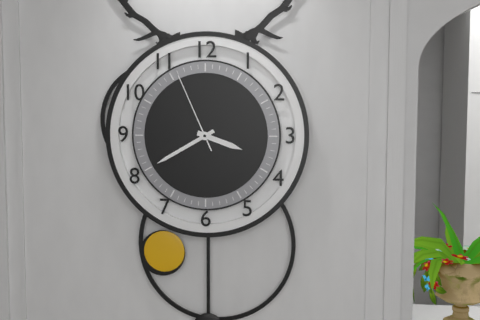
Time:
3:40:56
